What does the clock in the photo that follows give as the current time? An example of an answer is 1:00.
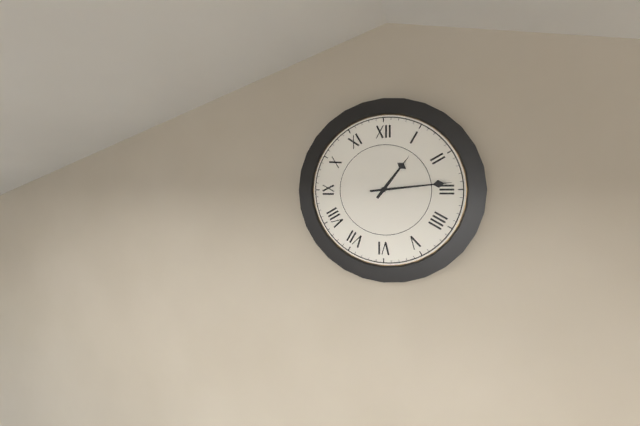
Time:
1:14
